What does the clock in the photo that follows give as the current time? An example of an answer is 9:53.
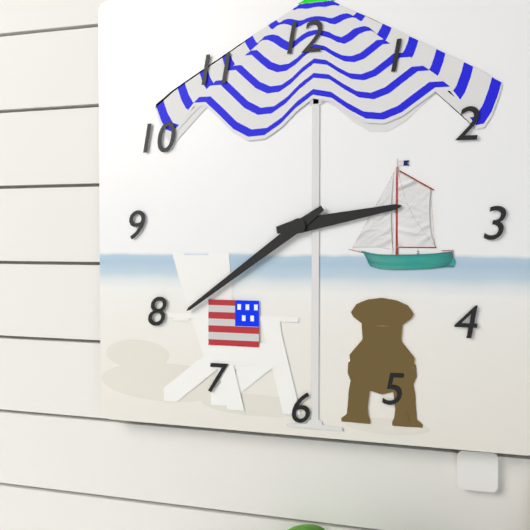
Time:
2:39
